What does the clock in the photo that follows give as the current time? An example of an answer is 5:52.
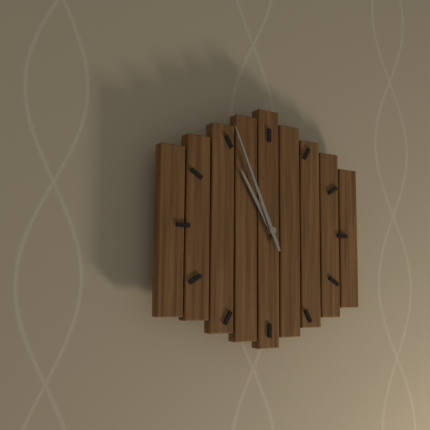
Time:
10:56
